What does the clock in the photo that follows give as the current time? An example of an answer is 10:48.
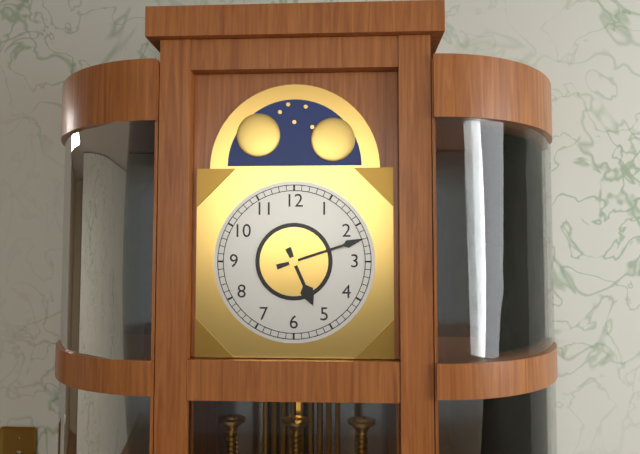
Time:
5:12
